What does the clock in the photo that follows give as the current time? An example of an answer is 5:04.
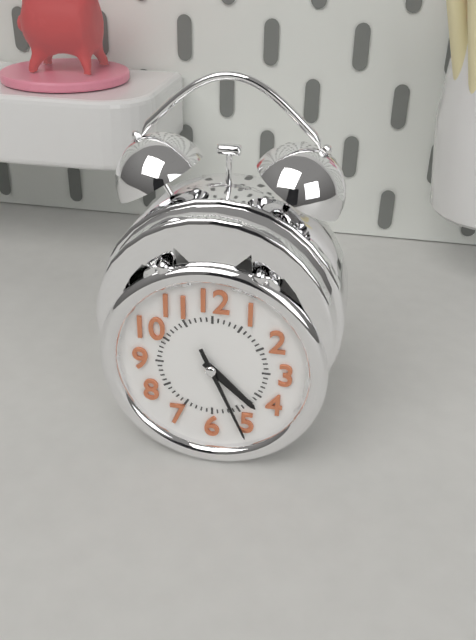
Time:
4:26
